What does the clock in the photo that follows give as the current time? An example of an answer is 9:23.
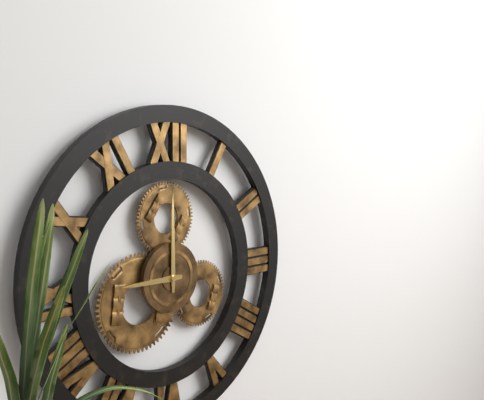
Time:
9:00
